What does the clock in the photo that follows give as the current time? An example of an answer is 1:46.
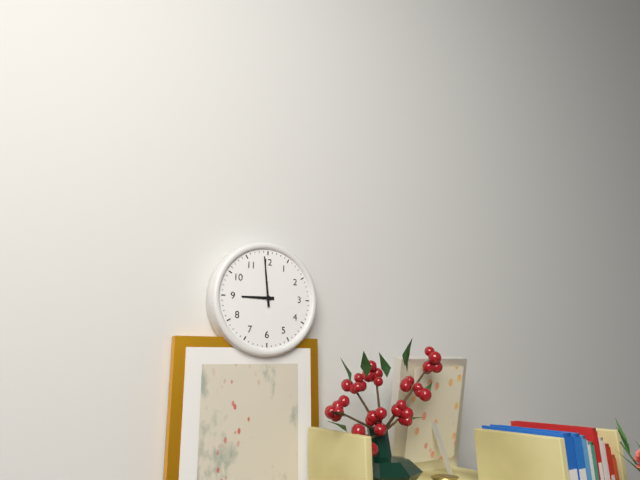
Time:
8:59
